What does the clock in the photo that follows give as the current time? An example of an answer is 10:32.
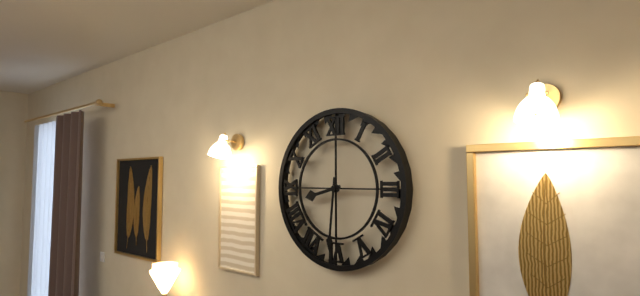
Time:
8:31
